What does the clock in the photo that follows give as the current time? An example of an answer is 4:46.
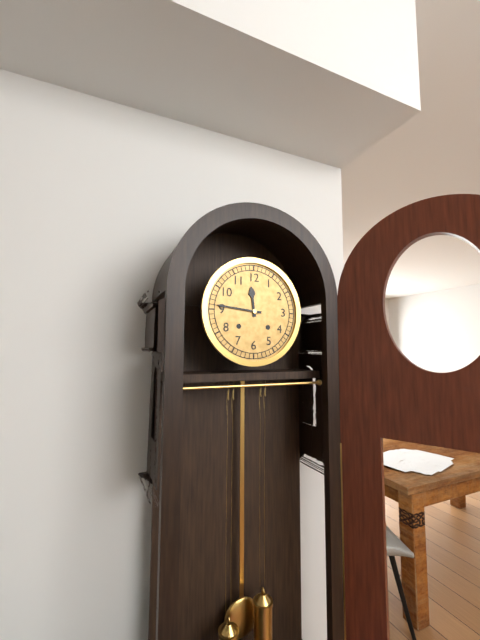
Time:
11:46
